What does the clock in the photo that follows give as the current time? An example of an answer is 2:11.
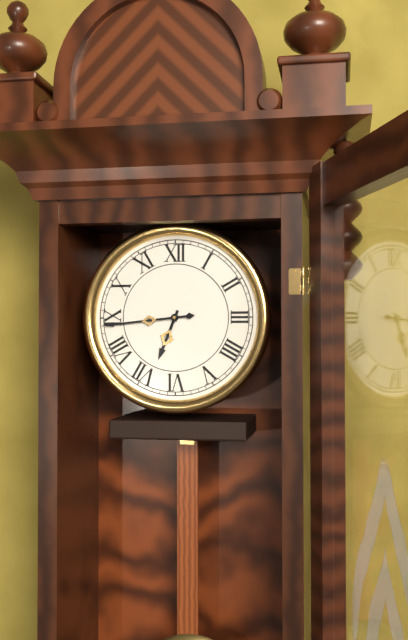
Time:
6:44
